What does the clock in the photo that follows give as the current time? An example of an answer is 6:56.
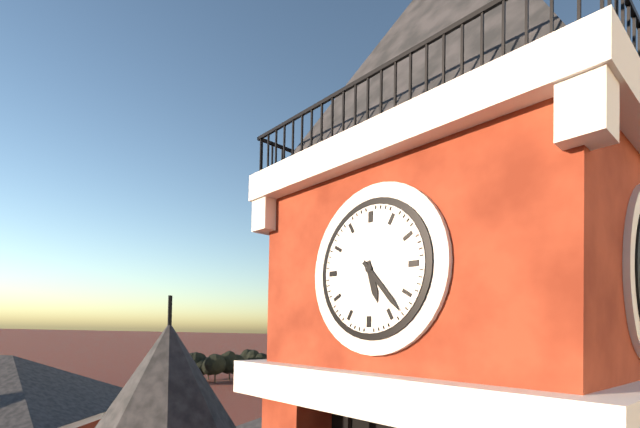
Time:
5:23
